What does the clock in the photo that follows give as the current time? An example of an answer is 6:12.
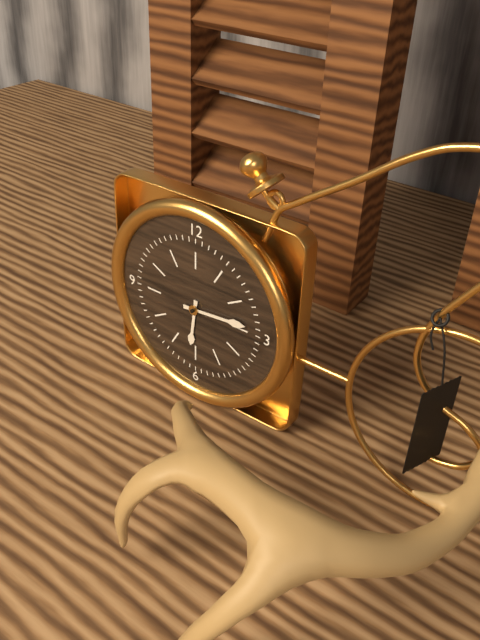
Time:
6:14
